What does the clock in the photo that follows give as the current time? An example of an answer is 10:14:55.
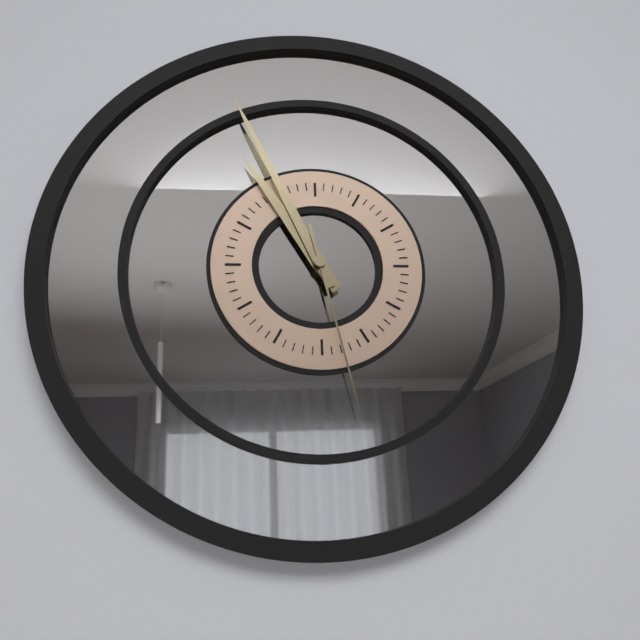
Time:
10:56:28
